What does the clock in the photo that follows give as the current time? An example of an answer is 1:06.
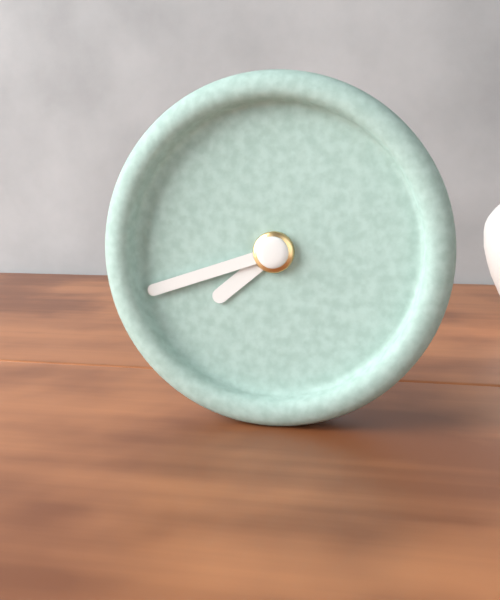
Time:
7:42
